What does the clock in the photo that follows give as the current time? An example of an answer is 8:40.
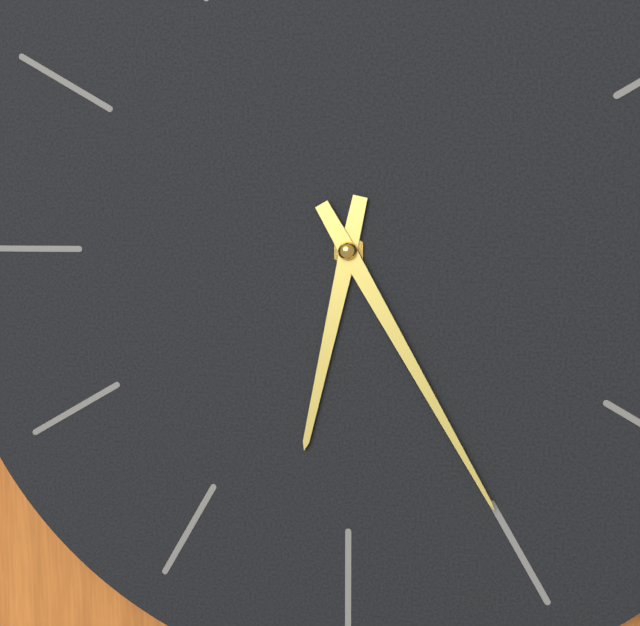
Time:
6:25
